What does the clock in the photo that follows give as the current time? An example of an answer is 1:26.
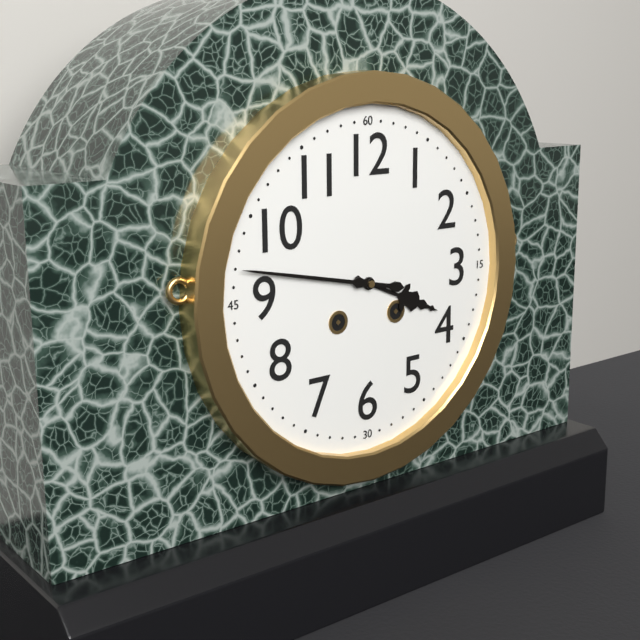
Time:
3:47
